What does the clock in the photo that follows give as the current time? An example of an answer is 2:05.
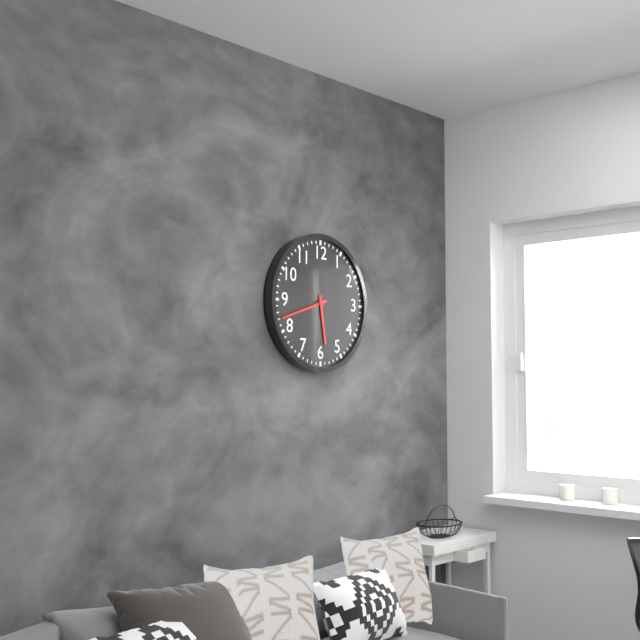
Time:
5:42
